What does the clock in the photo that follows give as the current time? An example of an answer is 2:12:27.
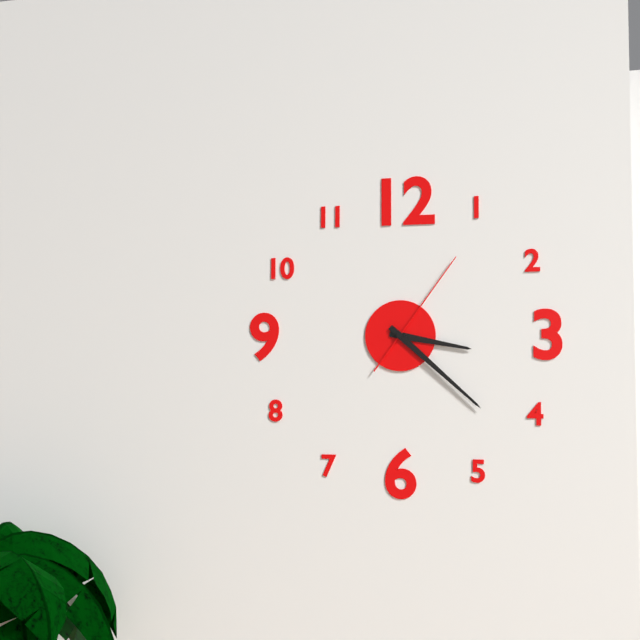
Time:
3:22:06
